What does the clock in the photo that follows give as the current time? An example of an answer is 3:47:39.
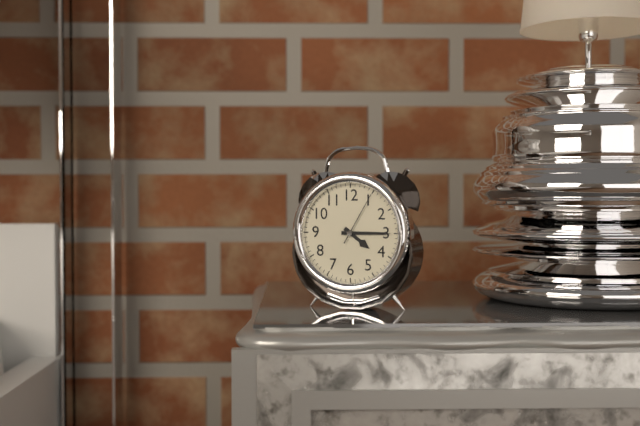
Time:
4:15:05
